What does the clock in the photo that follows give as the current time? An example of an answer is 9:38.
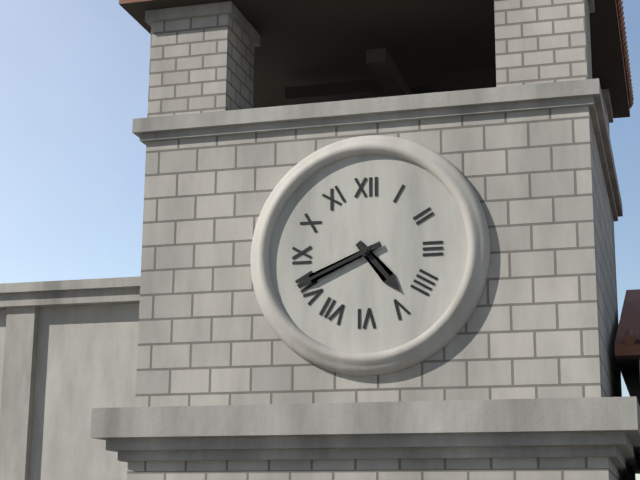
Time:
4:41
